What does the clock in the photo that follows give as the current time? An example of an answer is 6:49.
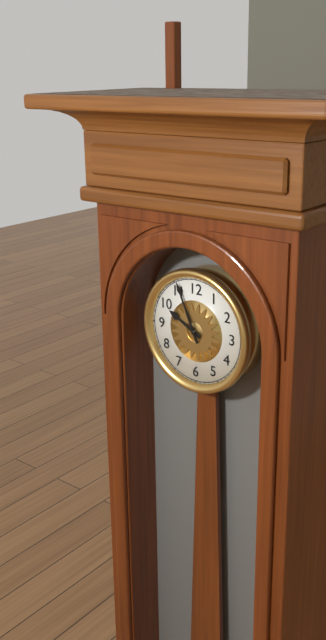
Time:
9:56
